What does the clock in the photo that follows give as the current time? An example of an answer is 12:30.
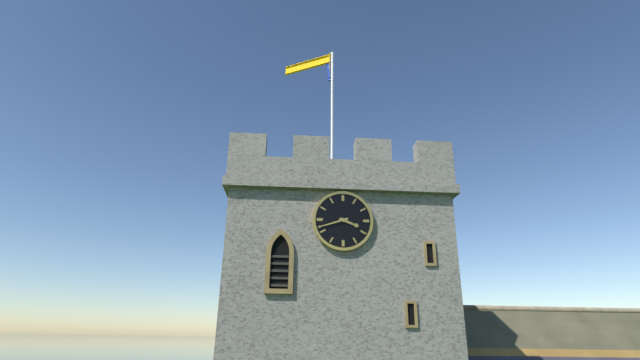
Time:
3:42
